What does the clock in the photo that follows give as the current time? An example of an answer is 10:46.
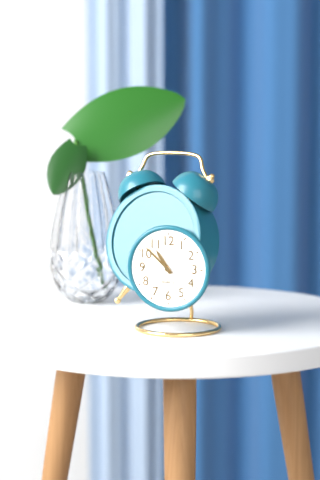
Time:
10:52
